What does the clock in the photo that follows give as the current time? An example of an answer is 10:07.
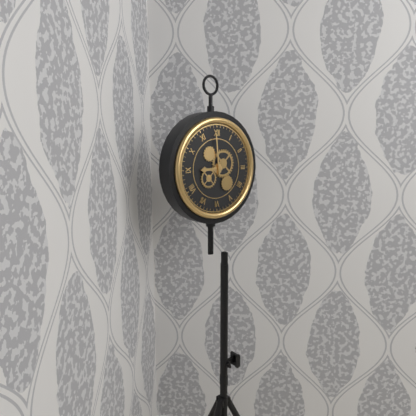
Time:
8:59
